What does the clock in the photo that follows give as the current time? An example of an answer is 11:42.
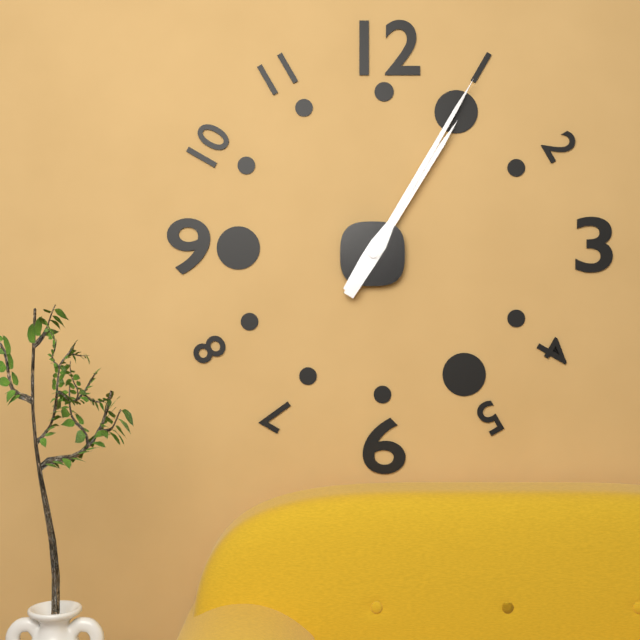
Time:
1:05
